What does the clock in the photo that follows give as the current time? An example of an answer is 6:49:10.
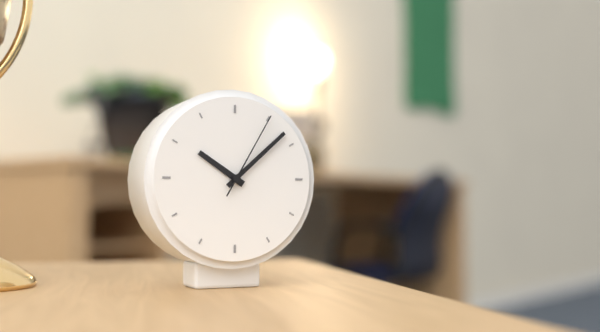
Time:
10:08:05
